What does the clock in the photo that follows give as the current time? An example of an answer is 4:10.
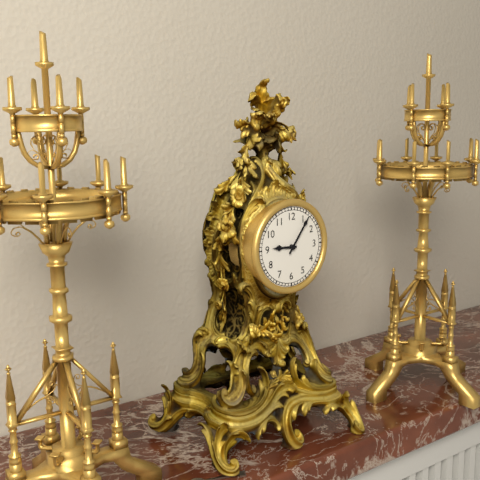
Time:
9:06
